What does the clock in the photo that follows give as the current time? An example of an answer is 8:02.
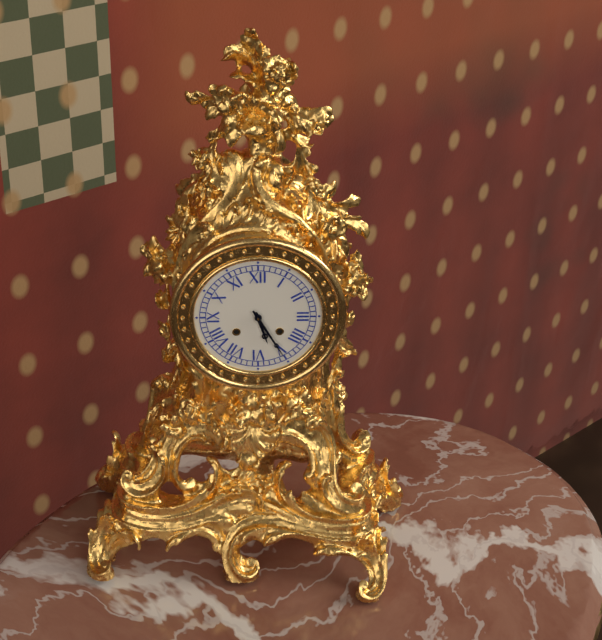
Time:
5:25
